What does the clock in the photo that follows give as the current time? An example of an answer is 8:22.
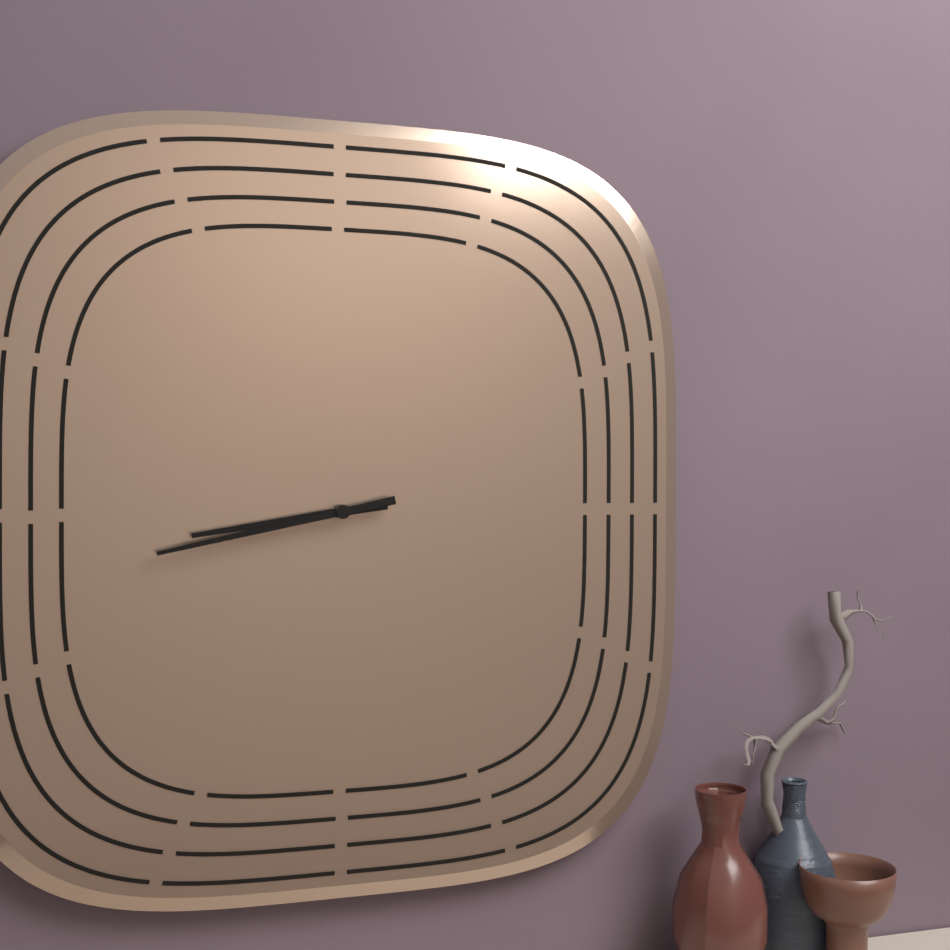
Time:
8:43
